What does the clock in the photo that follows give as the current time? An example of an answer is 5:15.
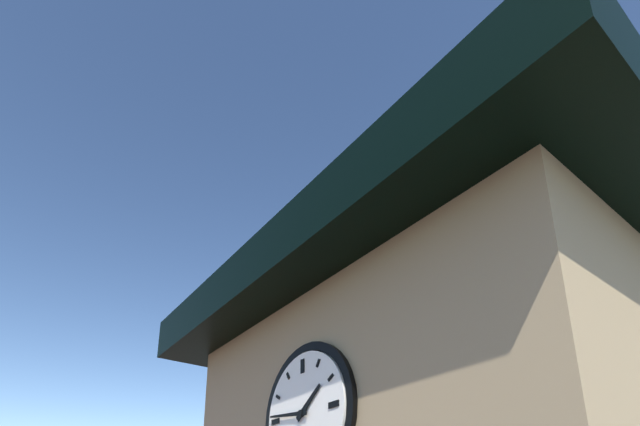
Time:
1:46
